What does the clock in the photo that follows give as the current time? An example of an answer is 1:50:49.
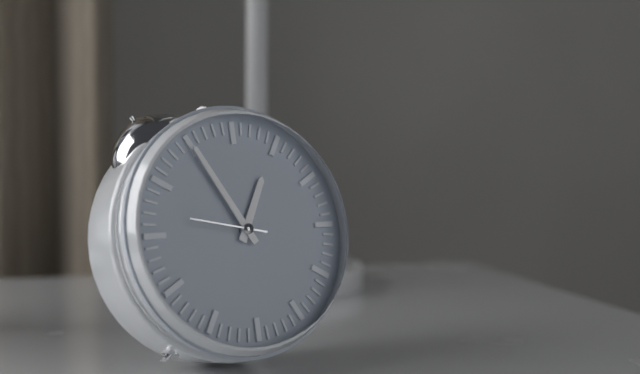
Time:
12:55:47
